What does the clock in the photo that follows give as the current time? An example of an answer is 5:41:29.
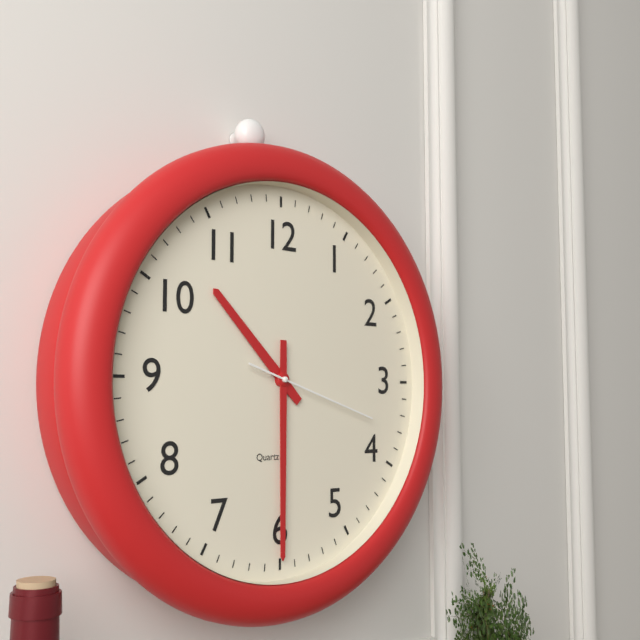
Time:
10:30:18
